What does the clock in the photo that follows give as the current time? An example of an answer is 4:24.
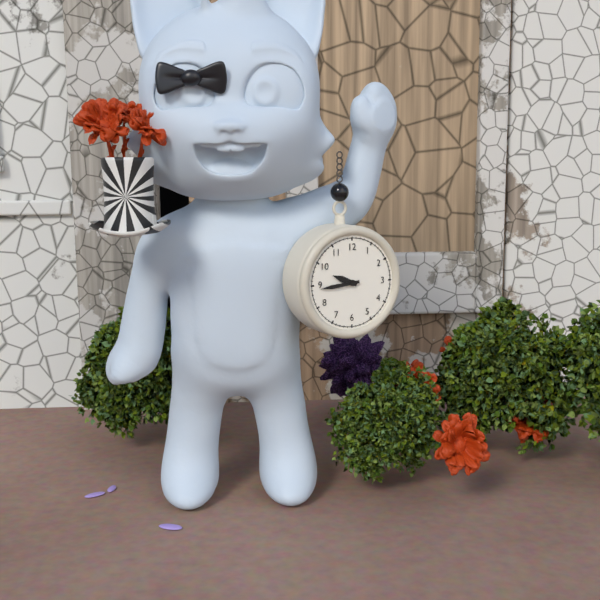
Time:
9:44
